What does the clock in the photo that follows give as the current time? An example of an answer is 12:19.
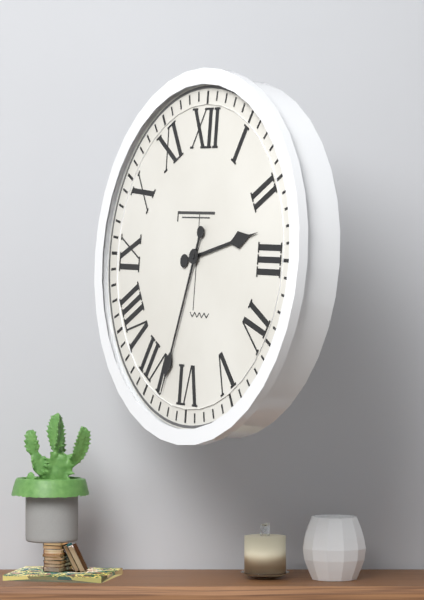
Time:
2:33
